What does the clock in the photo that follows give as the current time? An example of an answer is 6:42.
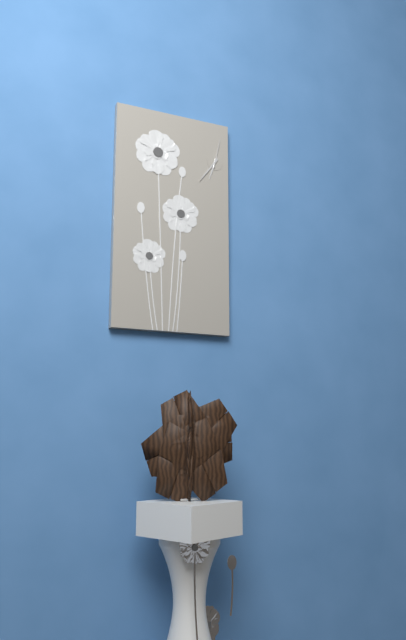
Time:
6:36
